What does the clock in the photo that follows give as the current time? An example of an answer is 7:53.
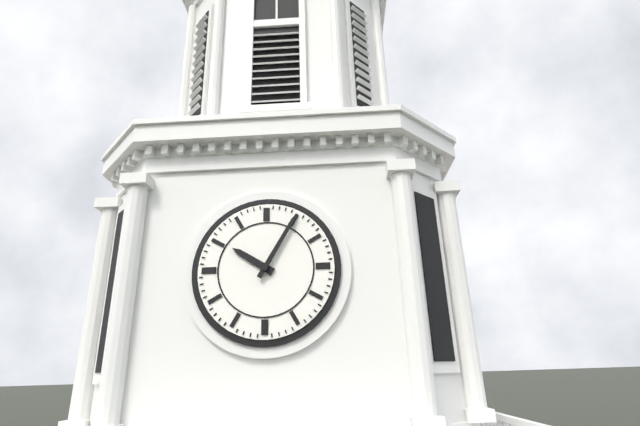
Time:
10:05
